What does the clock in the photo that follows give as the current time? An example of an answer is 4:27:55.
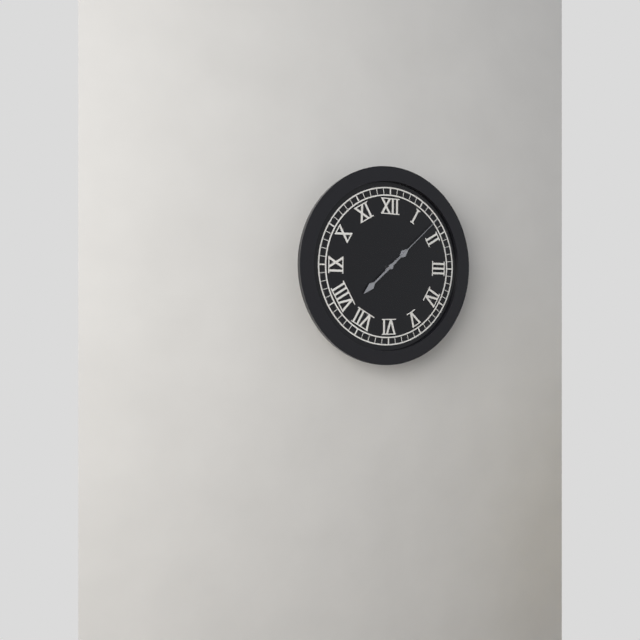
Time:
1:38:08
